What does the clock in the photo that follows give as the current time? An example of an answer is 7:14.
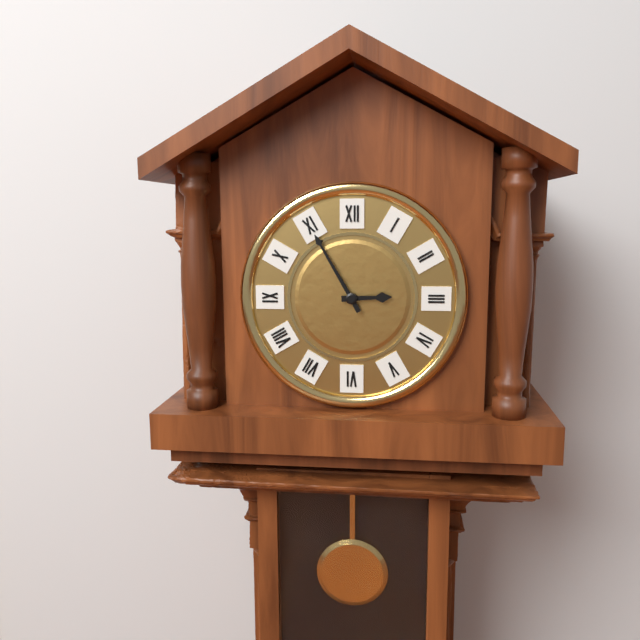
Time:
2:55
